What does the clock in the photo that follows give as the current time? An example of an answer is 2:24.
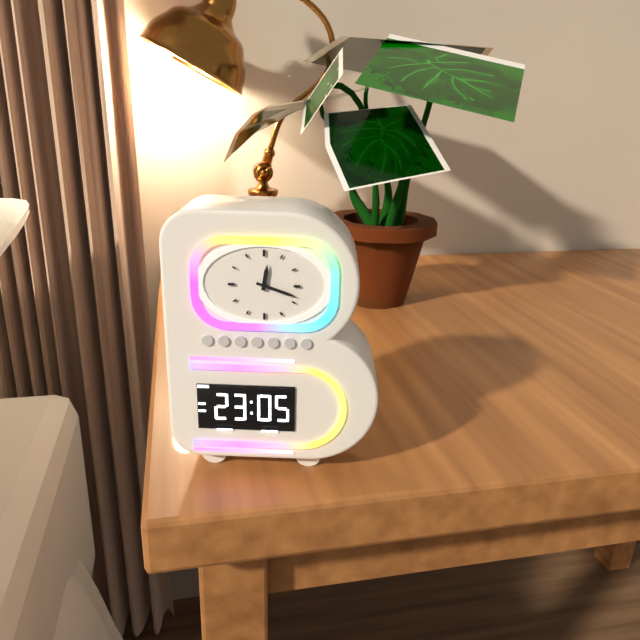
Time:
12:18
